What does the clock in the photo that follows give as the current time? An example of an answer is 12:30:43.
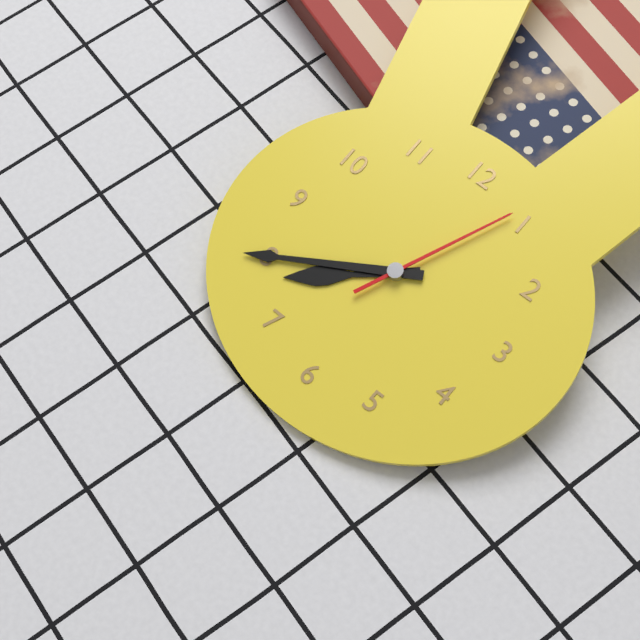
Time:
7:40:04
